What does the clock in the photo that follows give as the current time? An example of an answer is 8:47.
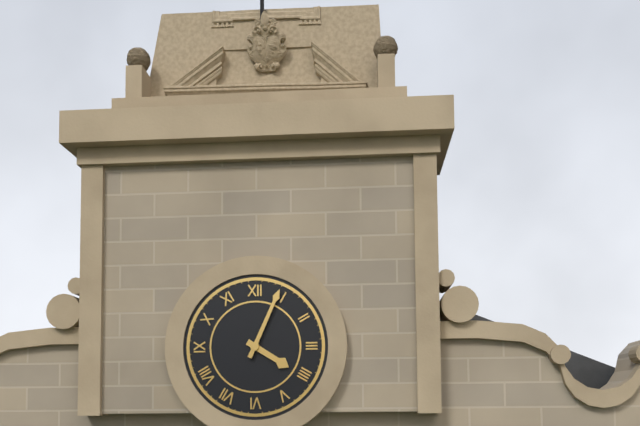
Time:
4:04
